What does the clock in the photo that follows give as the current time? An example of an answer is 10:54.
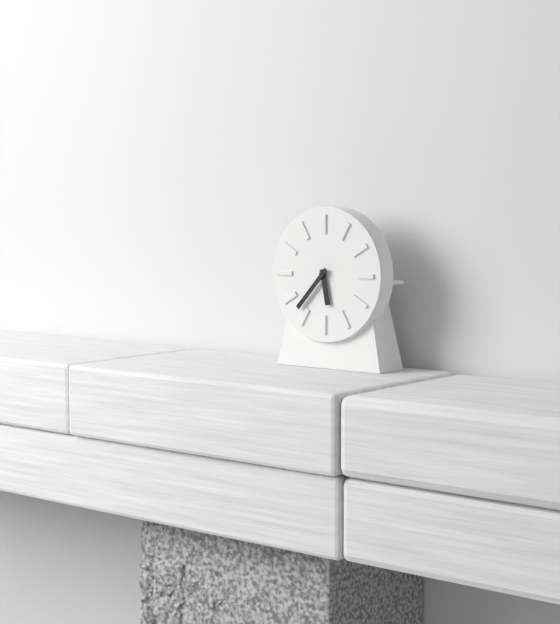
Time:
5:37
